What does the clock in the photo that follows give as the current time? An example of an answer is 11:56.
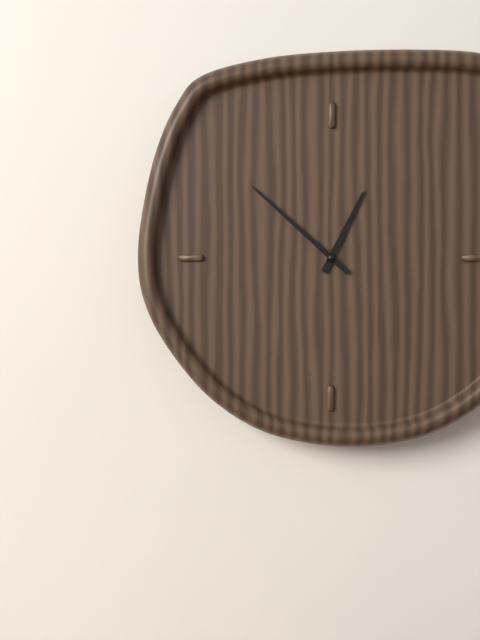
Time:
12:52
